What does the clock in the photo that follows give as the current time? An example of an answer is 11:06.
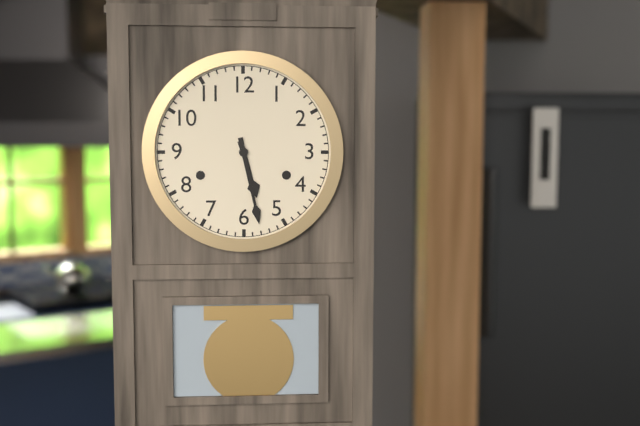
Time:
5:28
